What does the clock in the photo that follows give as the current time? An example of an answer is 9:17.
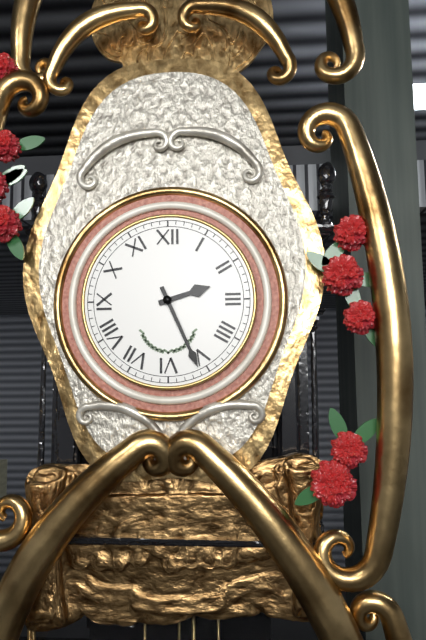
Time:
2:26
